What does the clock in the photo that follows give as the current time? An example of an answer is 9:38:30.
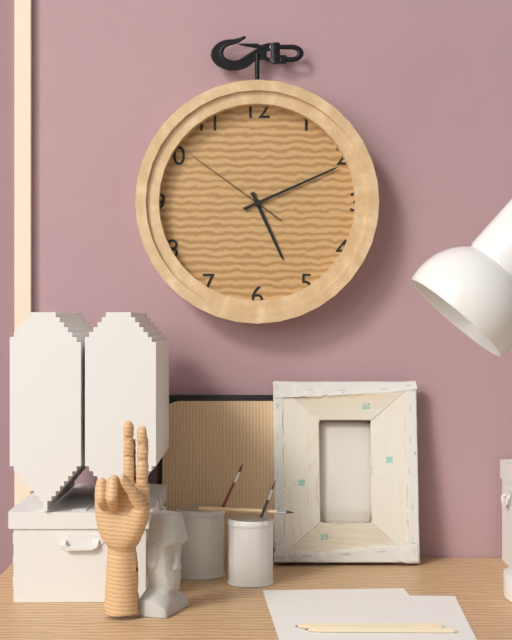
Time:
5:11:51
